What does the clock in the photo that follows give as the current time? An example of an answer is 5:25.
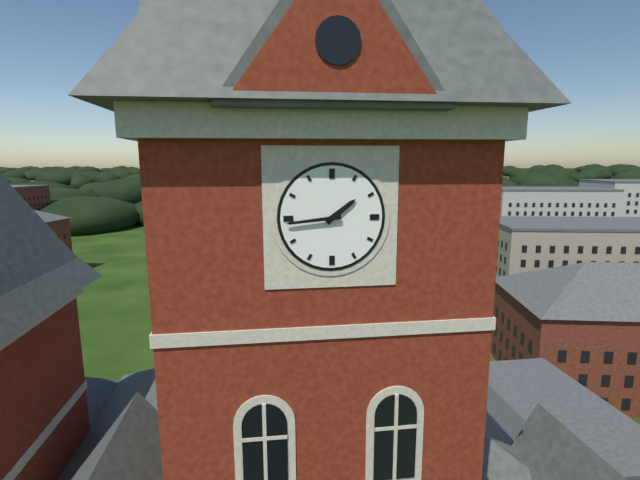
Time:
1:44
